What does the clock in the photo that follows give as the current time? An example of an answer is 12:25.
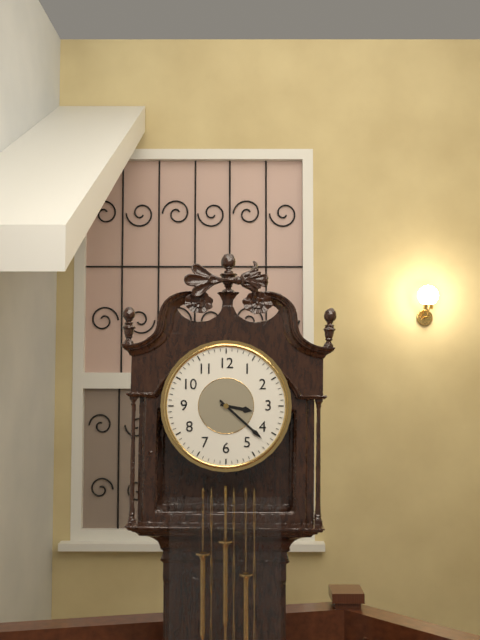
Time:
3:22
